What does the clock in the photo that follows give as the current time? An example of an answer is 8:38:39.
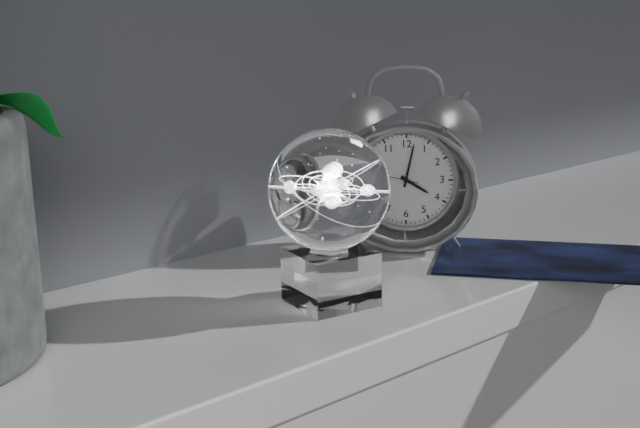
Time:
4:02:47
